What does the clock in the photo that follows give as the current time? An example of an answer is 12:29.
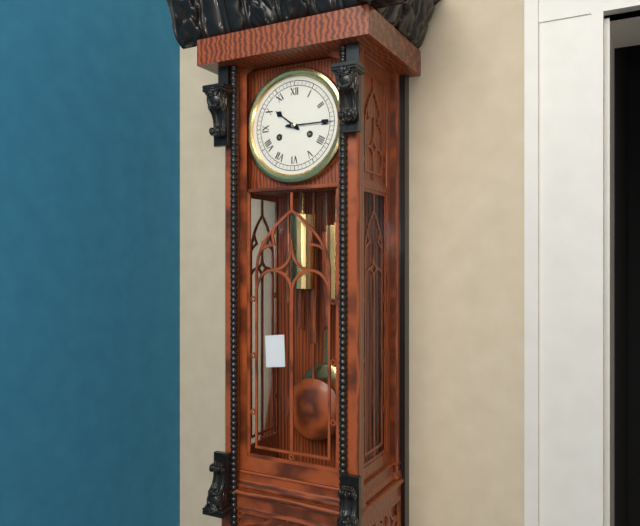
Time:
10:15
